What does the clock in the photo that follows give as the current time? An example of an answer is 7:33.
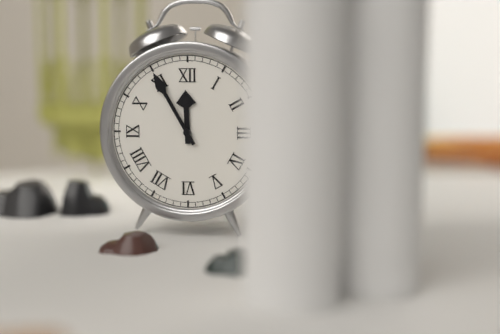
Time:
11:55
